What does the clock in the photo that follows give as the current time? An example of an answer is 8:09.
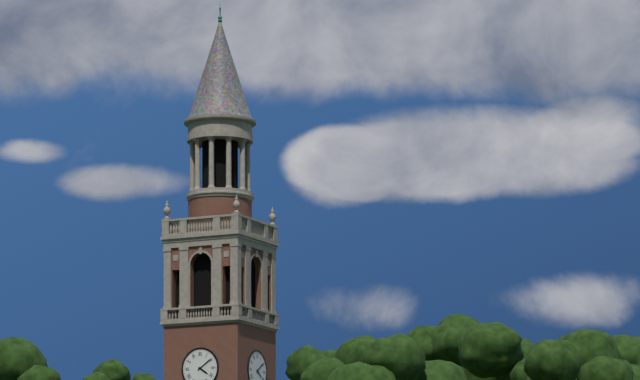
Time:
4:09
